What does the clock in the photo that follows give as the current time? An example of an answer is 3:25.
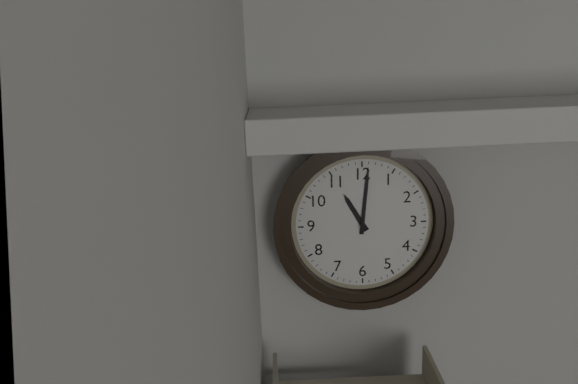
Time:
11:01
